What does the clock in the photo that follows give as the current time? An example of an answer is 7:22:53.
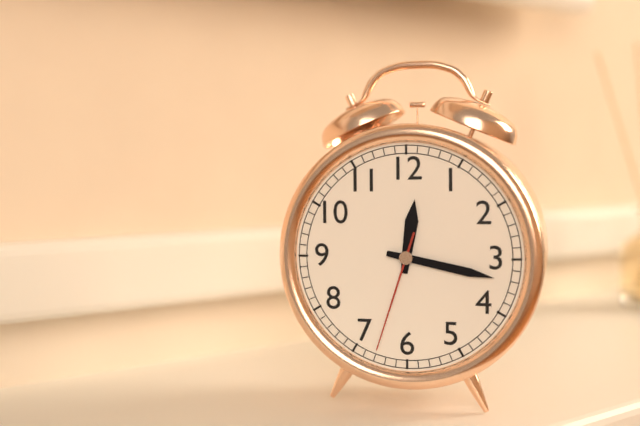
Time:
12:17:33
